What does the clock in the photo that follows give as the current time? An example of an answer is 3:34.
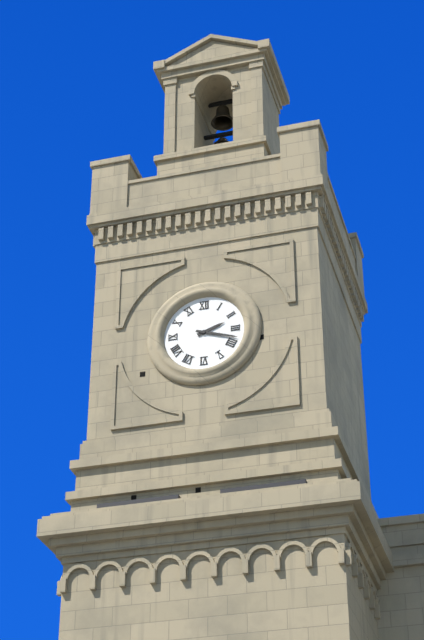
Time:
2:18
